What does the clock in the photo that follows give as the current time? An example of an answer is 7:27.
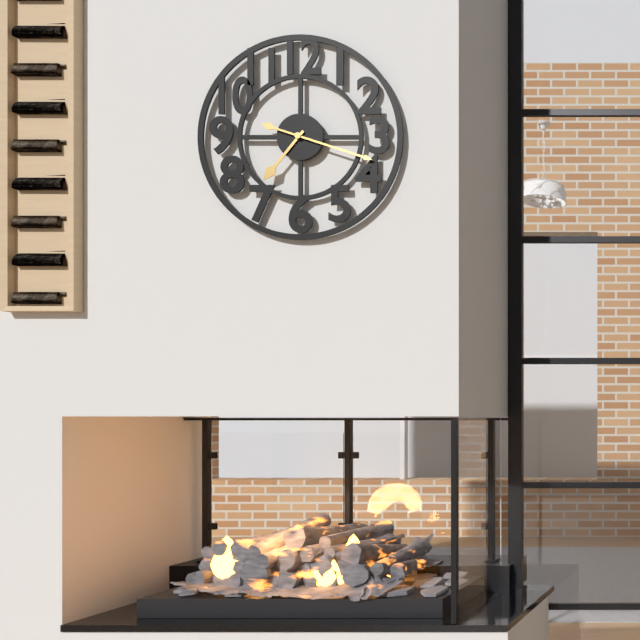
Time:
7:18
